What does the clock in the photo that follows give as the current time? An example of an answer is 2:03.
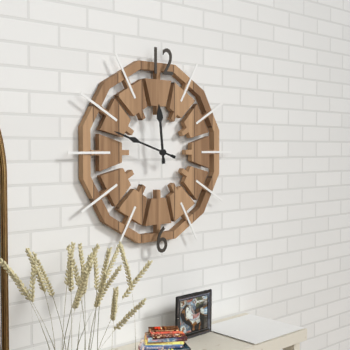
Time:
11:48
